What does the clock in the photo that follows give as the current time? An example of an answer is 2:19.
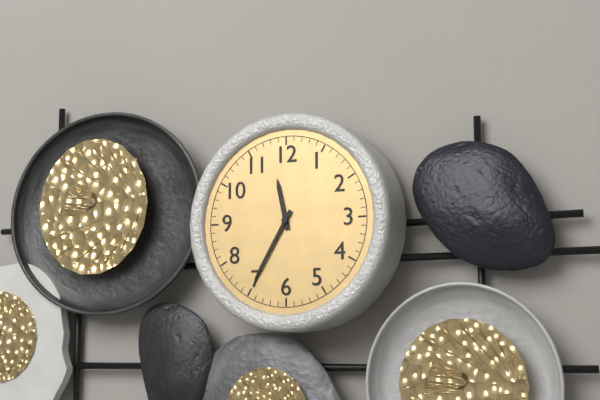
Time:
11:35
